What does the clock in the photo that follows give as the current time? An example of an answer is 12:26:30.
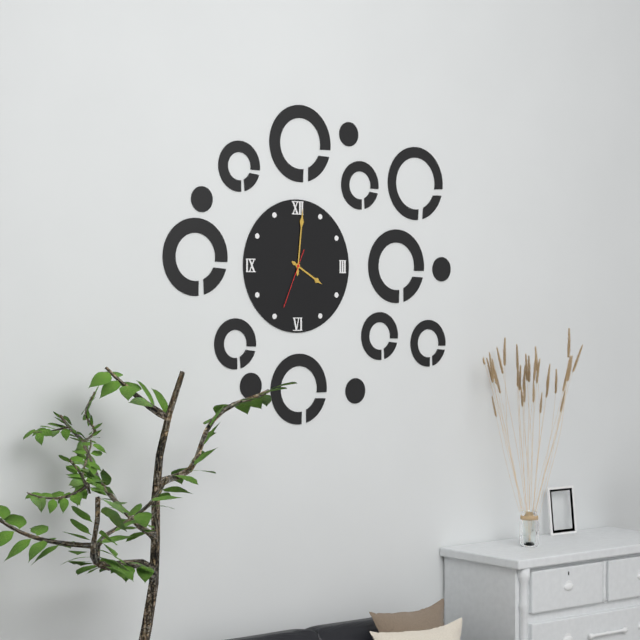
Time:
4:01:34
